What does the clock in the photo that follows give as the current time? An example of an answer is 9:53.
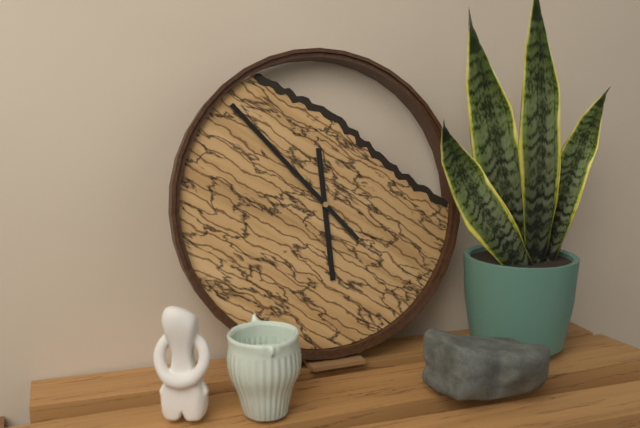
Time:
5:53
